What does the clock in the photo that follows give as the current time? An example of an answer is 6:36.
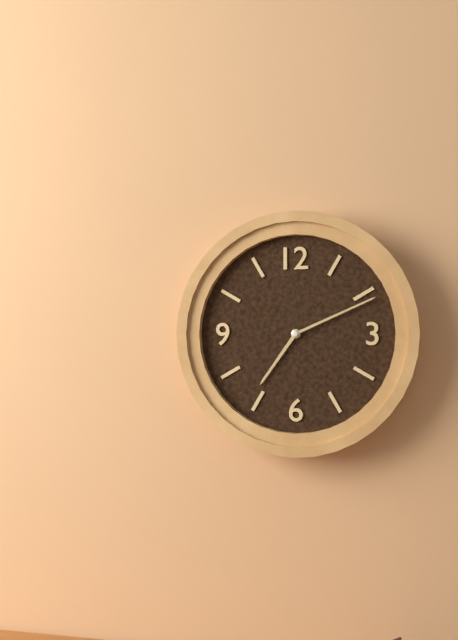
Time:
7:11
